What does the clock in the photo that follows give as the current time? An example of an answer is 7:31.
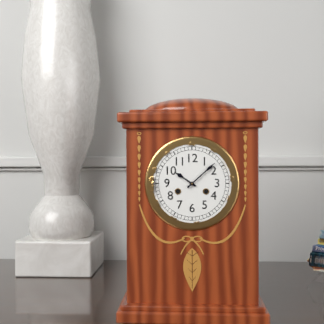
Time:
10:08
